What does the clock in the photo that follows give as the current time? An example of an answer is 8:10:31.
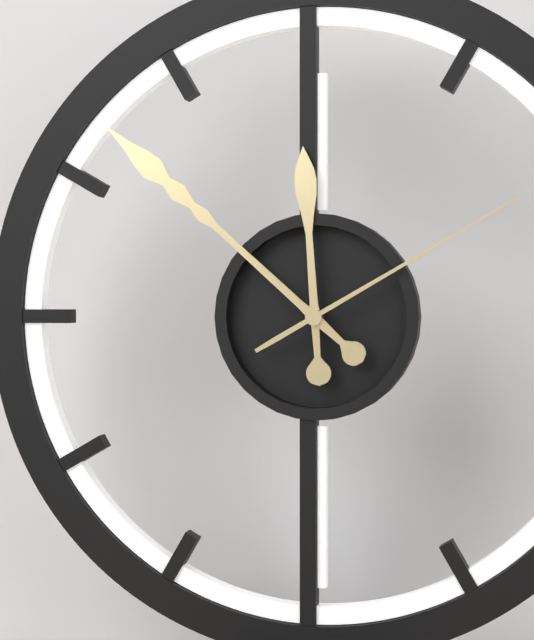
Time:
11:52:10
